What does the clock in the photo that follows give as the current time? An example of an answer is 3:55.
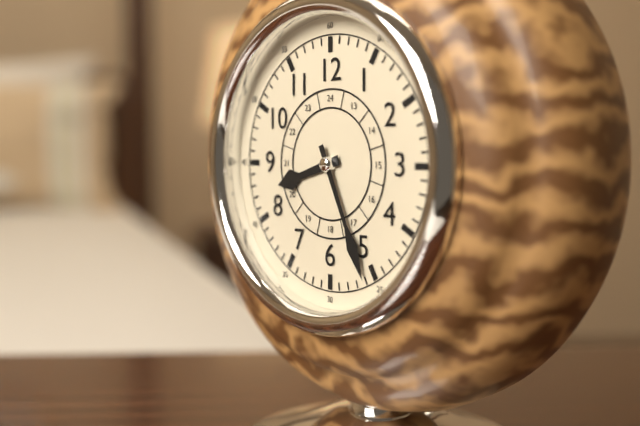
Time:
8:26
